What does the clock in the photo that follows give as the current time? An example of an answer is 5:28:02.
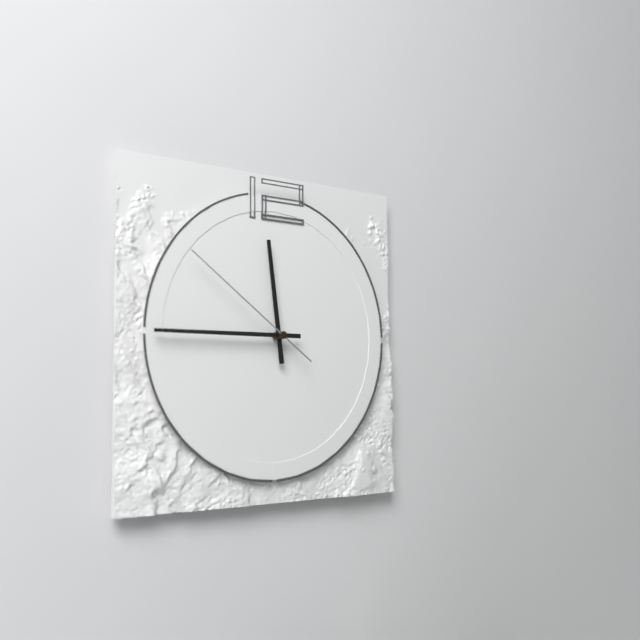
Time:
11:45:51
